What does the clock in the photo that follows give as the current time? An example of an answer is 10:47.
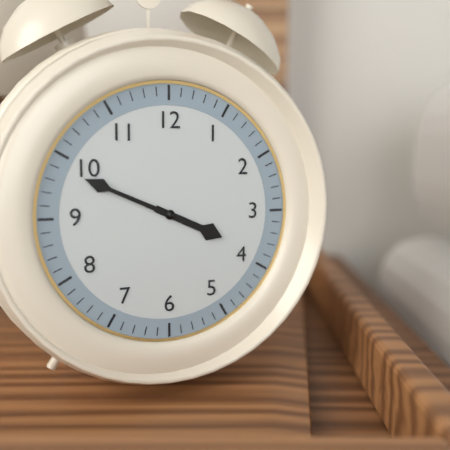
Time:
3:49
